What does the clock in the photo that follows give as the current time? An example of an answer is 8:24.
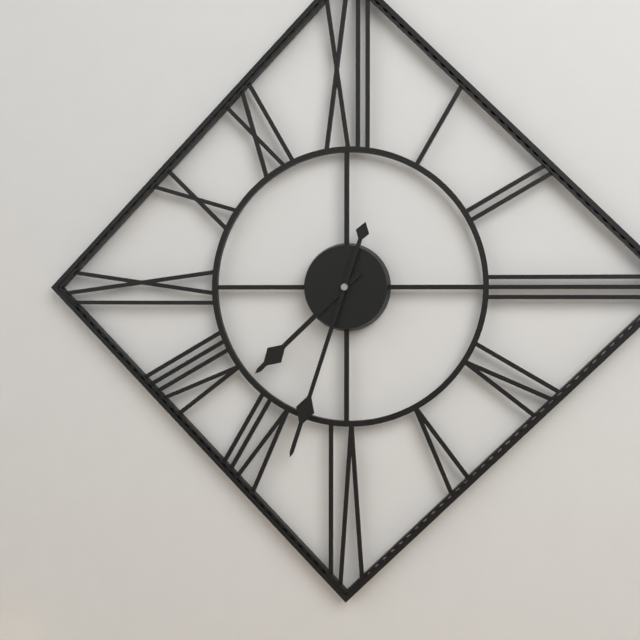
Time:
7:33
